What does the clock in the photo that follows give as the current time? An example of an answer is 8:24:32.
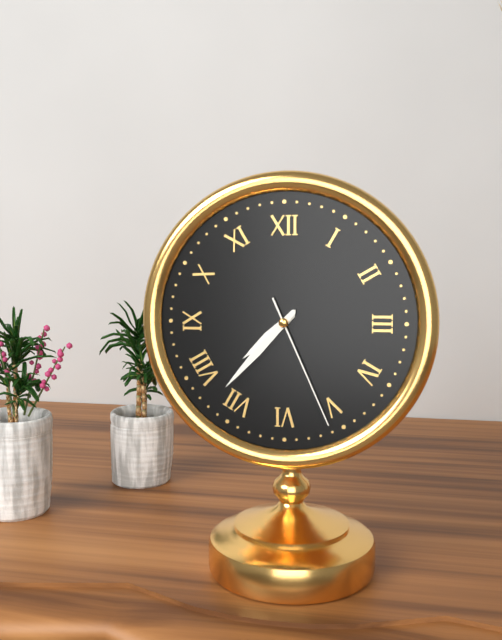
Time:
7:37:26
